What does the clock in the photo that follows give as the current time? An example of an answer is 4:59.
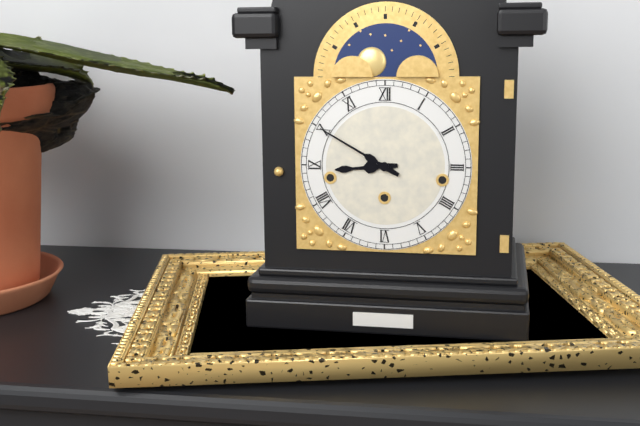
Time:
8:50
